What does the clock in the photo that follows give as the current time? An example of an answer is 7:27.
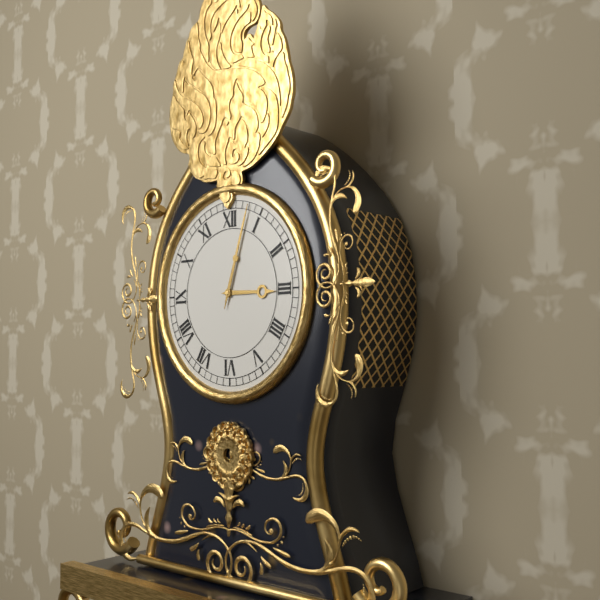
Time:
3:03
